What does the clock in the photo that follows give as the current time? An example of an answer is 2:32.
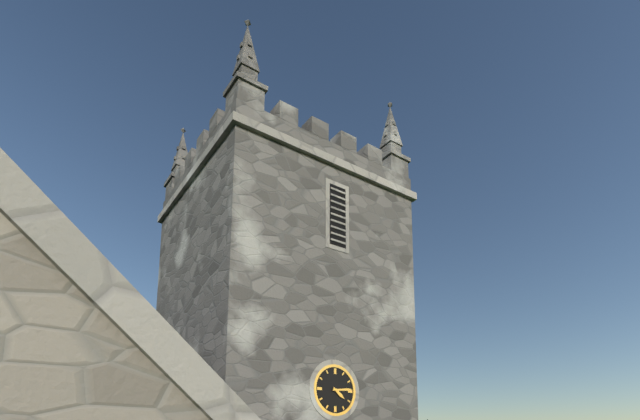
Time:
4:14
